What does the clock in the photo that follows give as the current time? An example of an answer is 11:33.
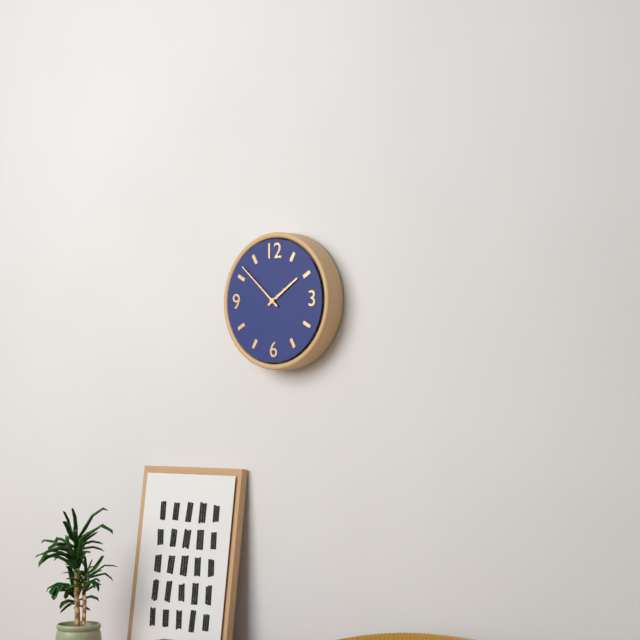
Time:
1:52
